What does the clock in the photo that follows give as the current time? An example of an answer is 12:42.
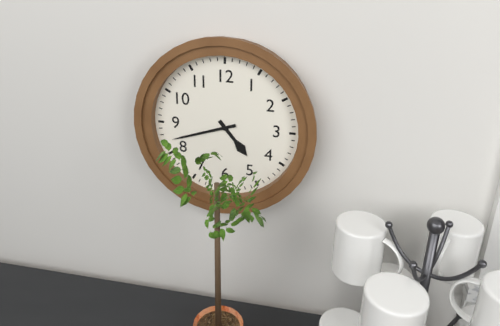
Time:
4:42
